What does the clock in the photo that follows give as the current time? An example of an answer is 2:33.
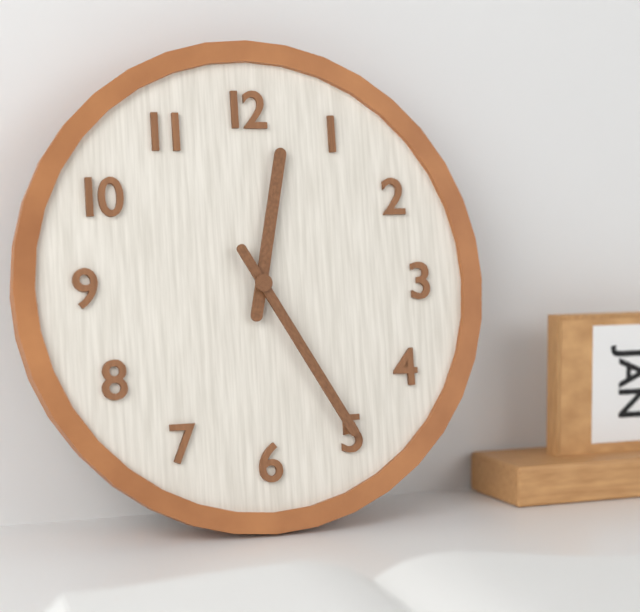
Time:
12:25
